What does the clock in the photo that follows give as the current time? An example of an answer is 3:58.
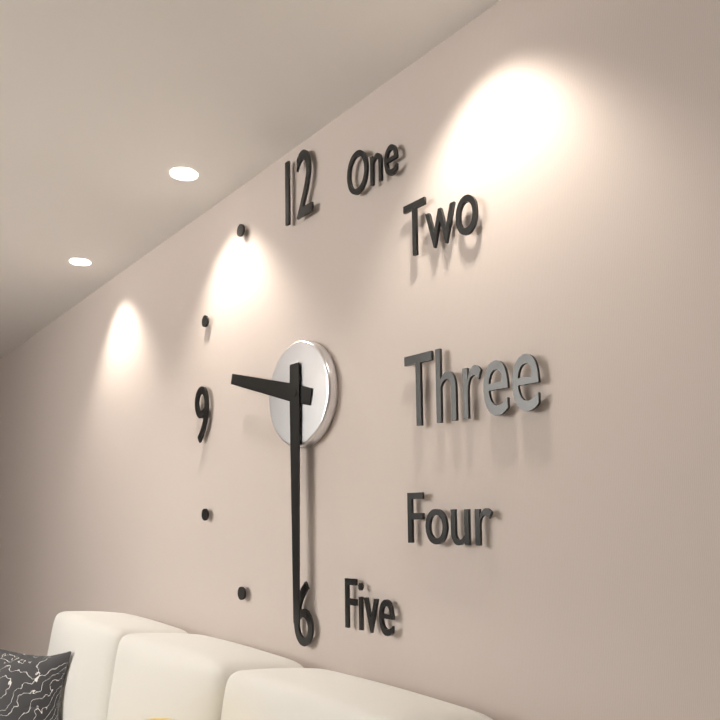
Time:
9:30
